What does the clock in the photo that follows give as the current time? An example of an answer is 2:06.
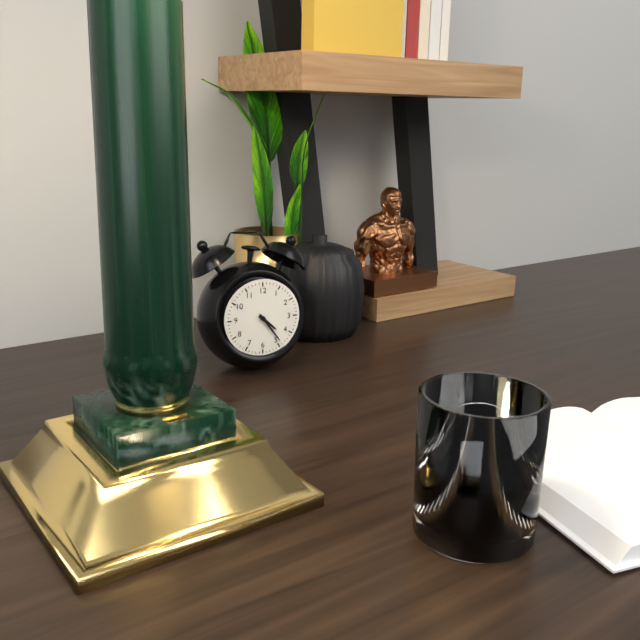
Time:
4:24
